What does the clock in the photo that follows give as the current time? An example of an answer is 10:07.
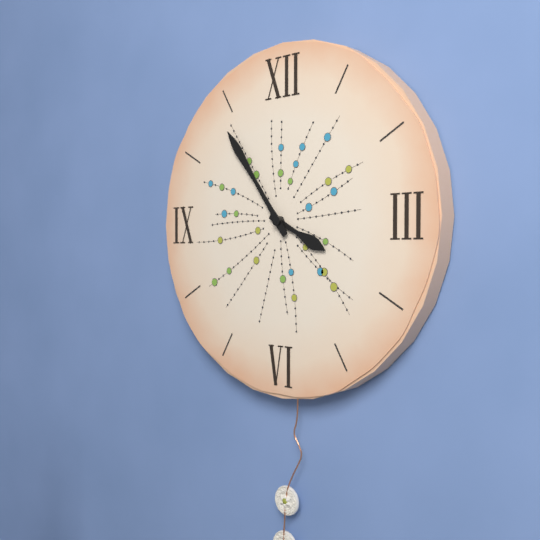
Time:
3:54
